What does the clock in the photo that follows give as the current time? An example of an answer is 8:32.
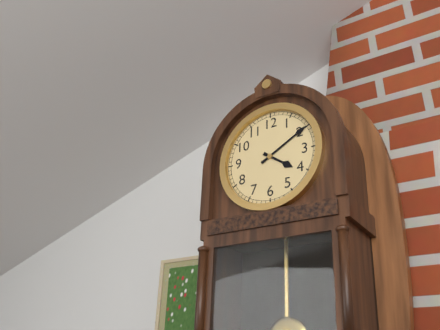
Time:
4:10
